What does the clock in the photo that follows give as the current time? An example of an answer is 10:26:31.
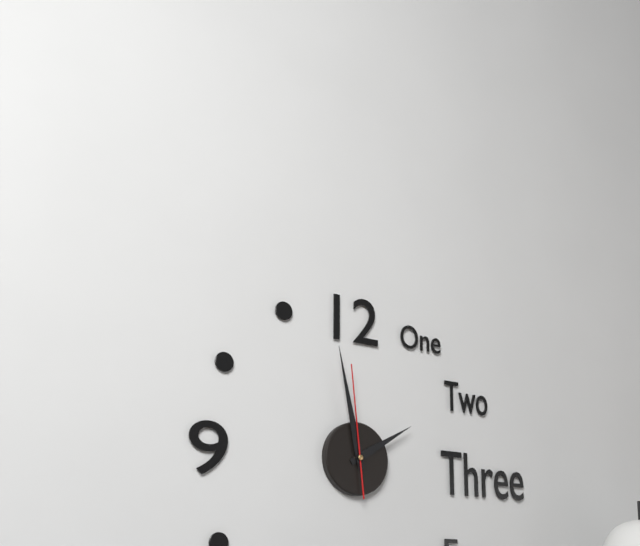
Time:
1:58:59
